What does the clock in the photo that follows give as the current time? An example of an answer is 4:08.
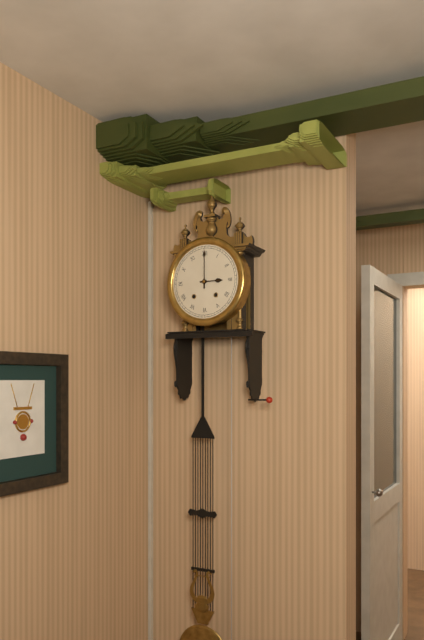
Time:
3:00
